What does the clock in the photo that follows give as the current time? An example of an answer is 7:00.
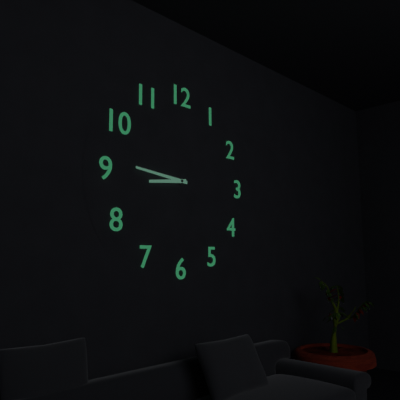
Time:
8:46
